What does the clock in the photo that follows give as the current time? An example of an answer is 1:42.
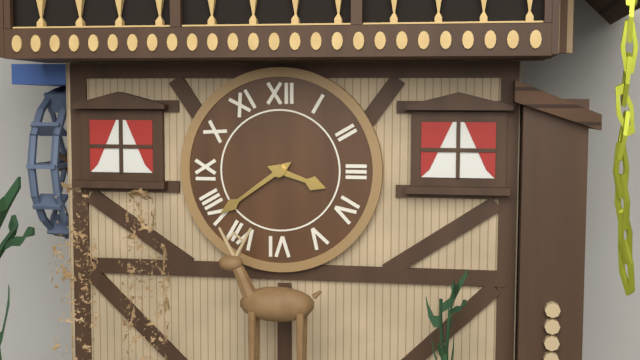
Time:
3:39
